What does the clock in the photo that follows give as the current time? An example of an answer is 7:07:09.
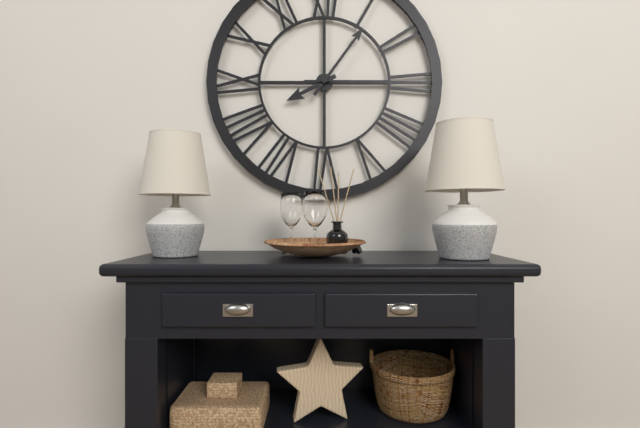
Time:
8:06:15
